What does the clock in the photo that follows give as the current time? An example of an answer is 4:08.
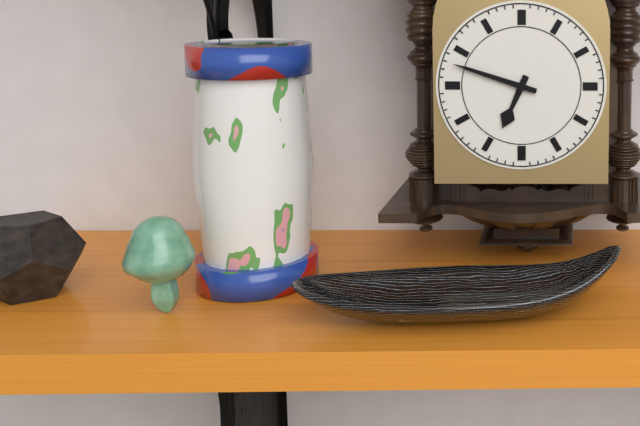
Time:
6:48
